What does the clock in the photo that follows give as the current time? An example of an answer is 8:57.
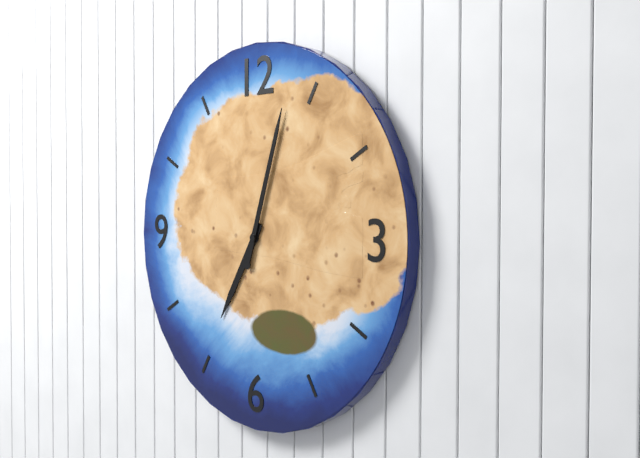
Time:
7:03
